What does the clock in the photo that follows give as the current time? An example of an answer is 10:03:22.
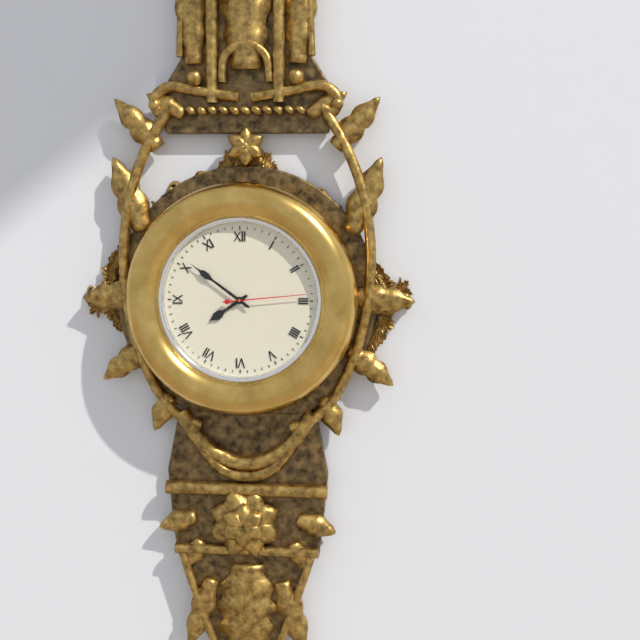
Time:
7:51:14
